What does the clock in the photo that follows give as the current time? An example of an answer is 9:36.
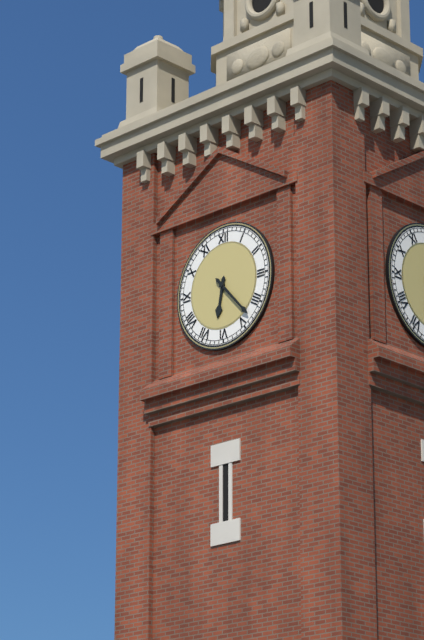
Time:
6:23
